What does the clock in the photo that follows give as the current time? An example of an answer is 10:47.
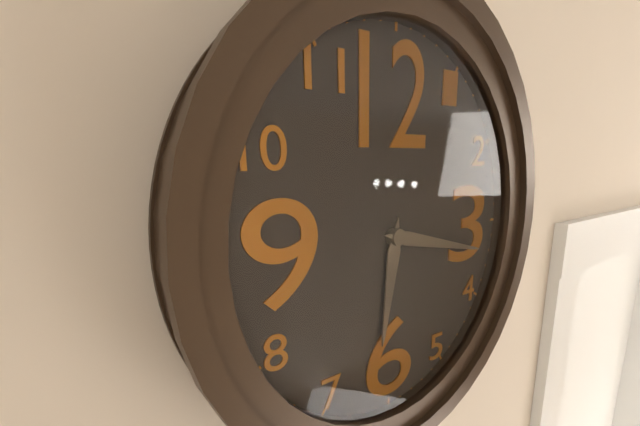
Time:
6:17
